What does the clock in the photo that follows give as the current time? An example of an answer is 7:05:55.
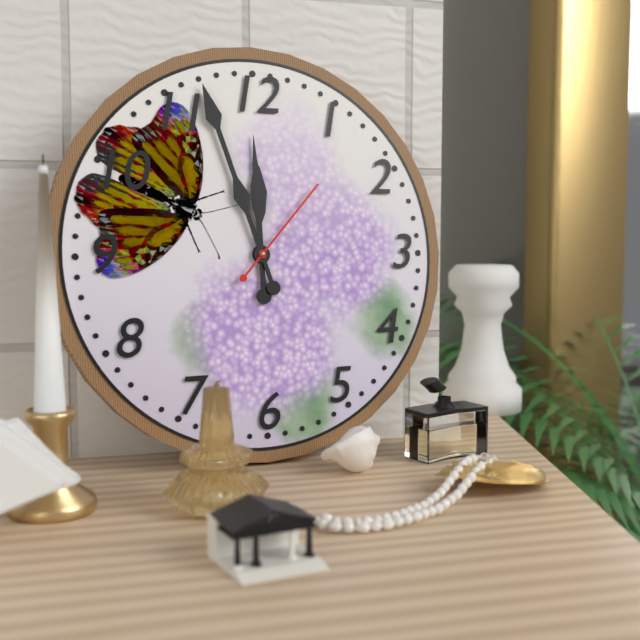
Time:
11:57:07
